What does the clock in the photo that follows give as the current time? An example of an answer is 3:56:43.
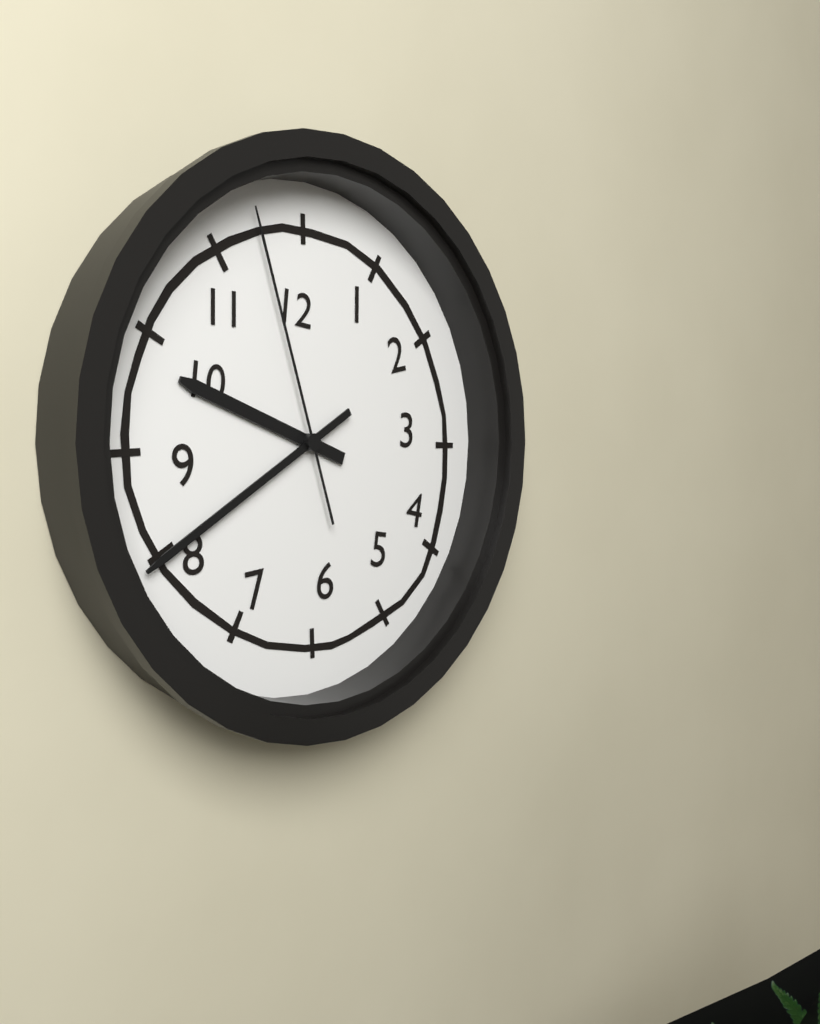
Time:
9:40:57
